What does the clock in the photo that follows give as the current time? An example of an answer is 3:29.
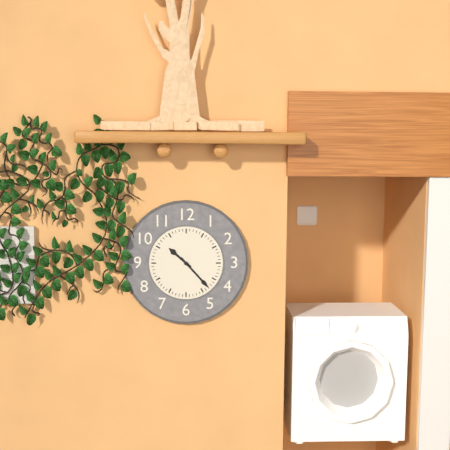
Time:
10:23
